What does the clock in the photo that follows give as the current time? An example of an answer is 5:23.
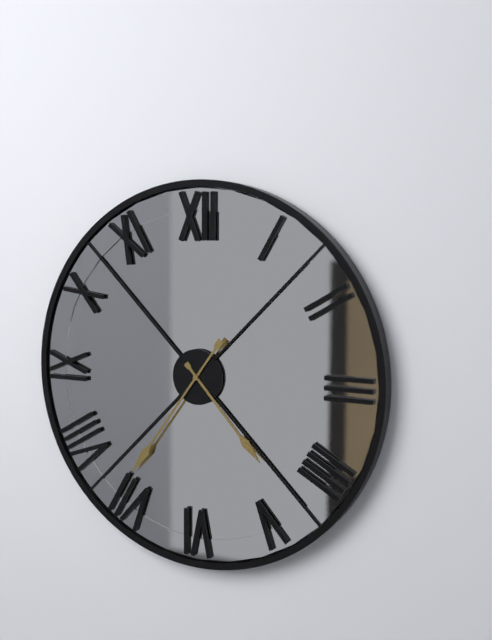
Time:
4:36
